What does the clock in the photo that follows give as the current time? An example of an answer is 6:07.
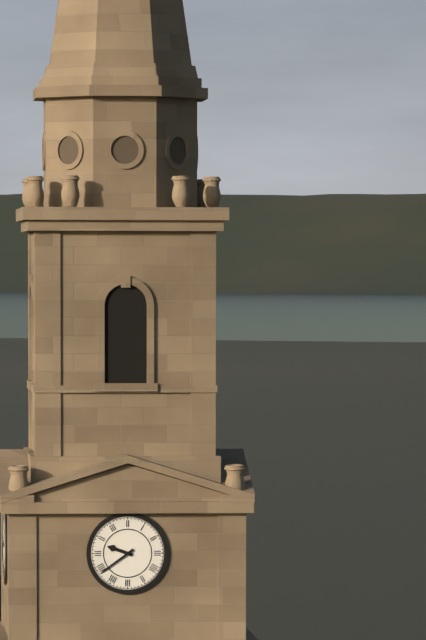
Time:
9:39
